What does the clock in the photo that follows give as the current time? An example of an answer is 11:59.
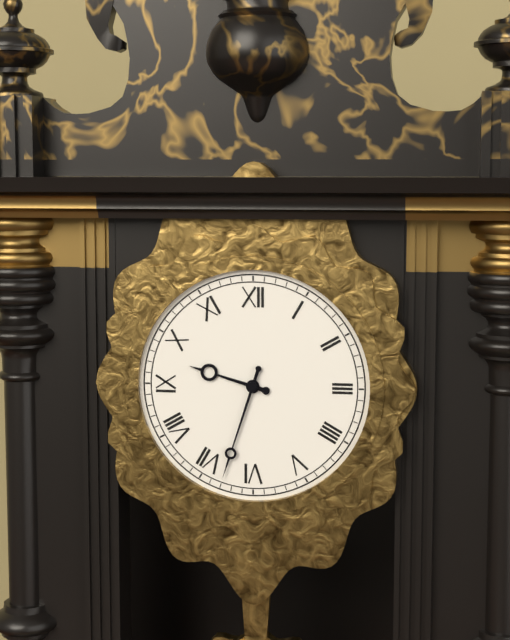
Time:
9:33
